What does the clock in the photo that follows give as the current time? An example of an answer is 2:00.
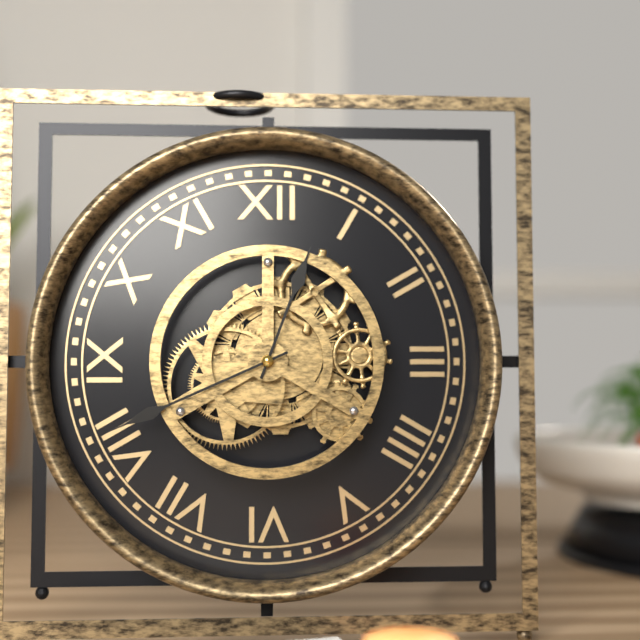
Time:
12:41
